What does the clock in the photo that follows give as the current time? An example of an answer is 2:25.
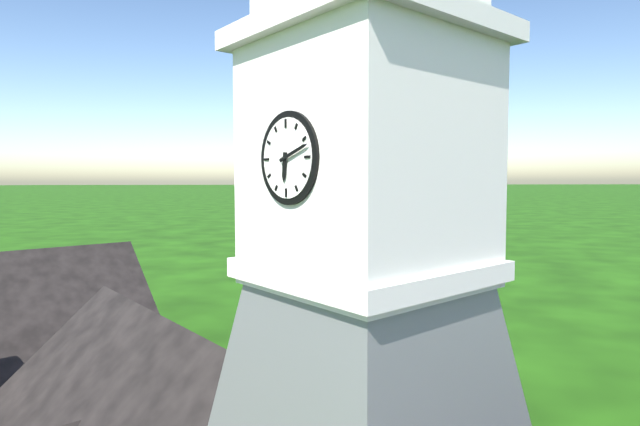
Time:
6:12
